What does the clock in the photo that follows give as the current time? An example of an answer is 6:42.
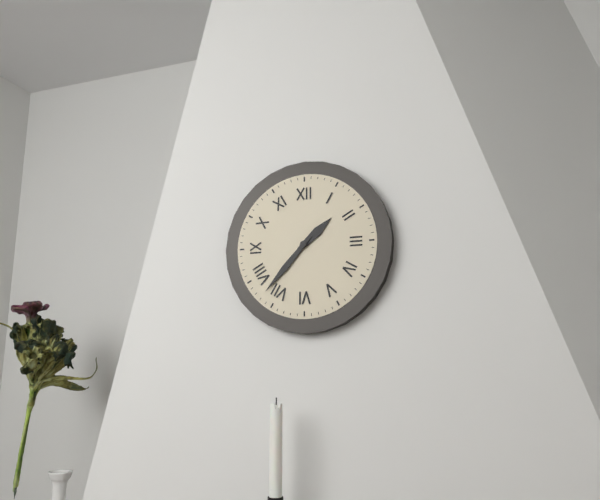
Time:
1:37
